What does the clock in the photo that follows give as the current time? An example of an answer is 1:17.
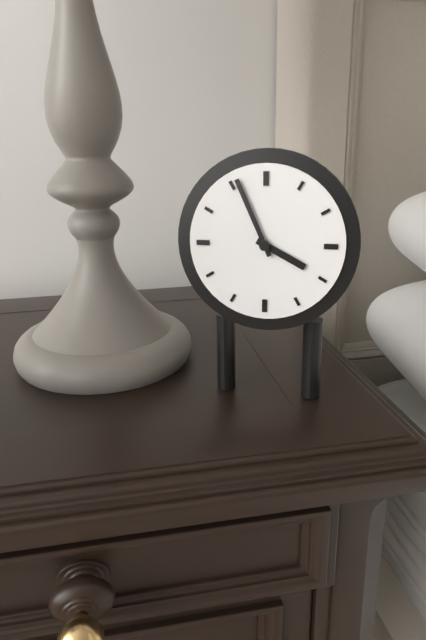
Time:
3:56
